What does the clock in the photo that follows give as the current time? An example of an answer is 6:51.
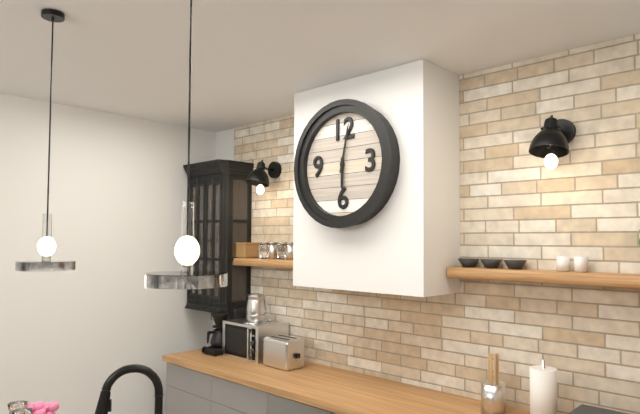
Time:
6:02
